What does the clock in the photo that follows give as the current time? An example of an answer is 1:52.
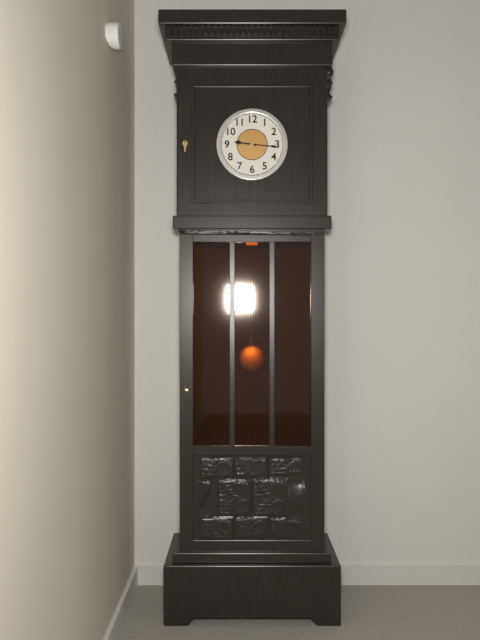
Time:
9:16
